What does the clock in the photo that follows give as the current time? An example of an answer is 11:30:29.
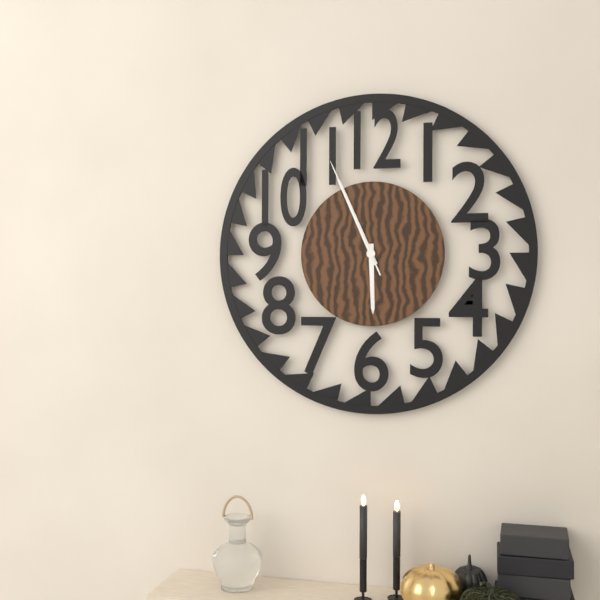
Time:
5:56:56
